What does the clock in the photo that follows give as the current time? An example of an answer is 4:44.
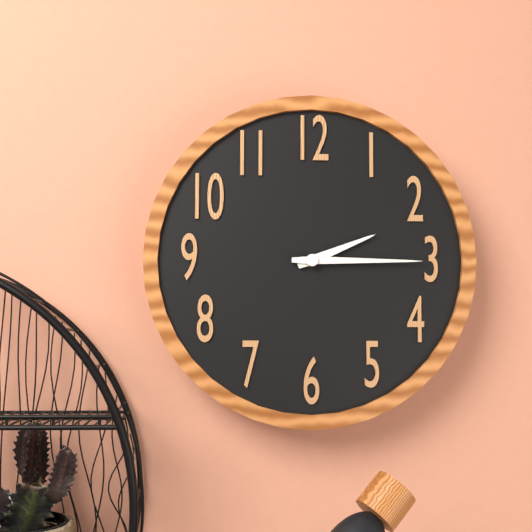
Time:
2:15
